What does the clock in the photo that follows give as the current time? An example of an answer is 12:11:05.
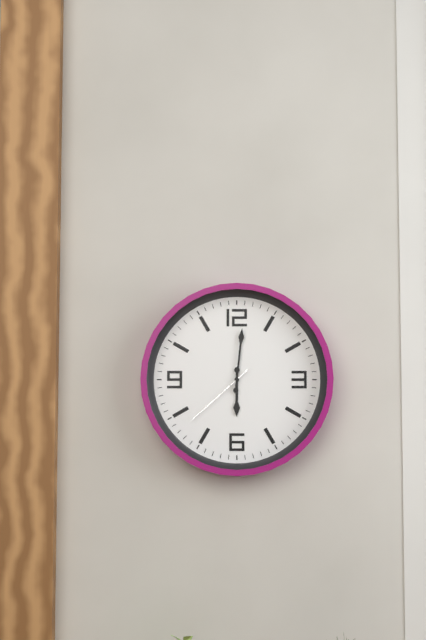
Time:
6:01:38
